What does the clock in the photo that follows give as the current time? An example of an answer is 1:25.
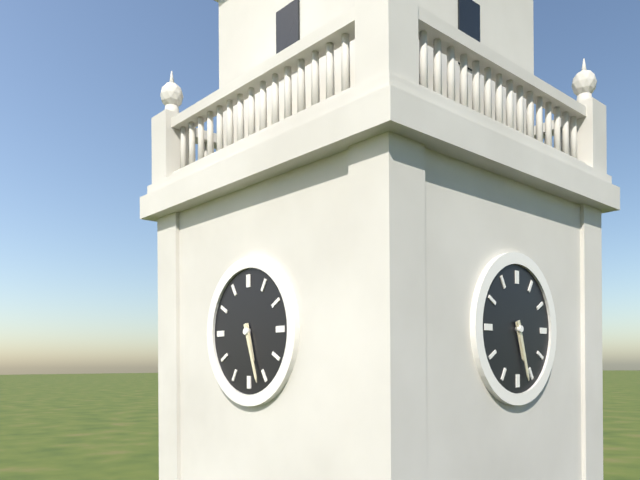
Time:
5:27
